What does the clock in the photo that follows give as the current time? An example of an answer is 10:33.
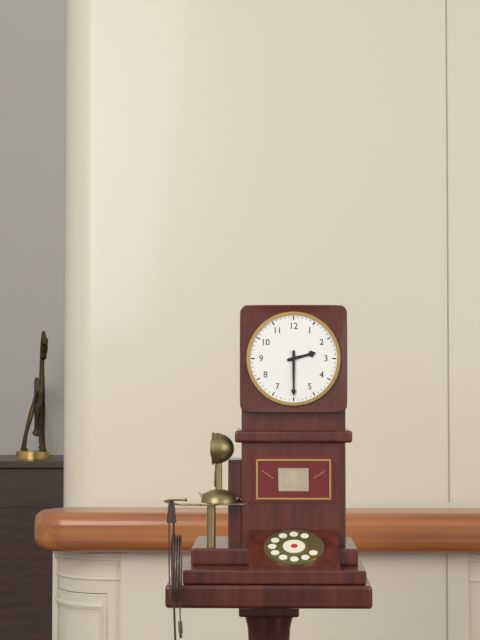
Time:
2:30
